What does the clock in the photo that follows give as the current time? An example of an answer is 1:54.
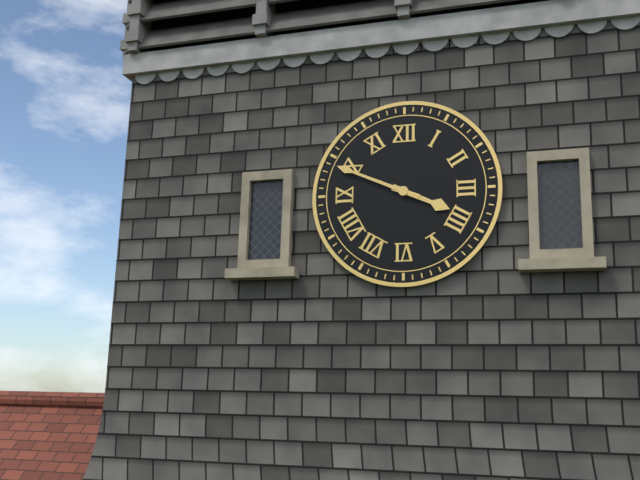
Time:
3:49
